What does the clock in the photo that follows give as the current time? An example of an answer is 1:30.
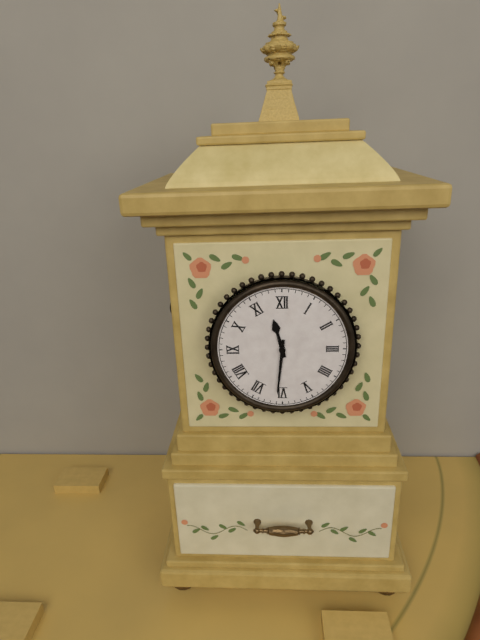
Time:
11:31
